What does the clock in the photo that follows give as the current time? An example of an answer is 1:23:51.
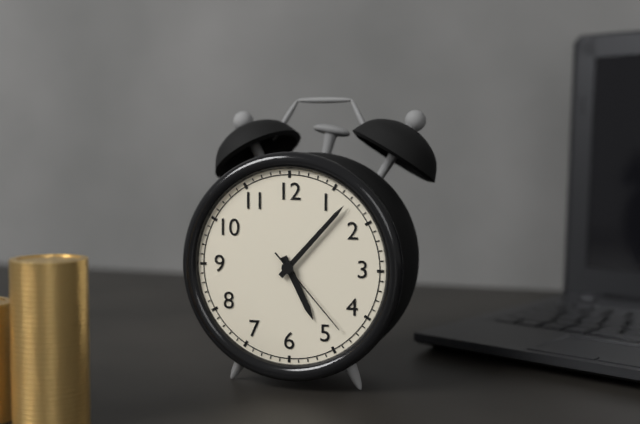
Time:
5:07:23
